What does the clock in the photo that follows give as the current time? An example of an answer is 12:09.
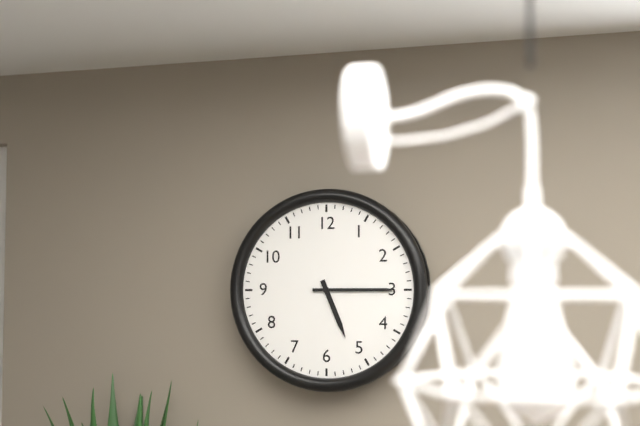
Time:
5:15
